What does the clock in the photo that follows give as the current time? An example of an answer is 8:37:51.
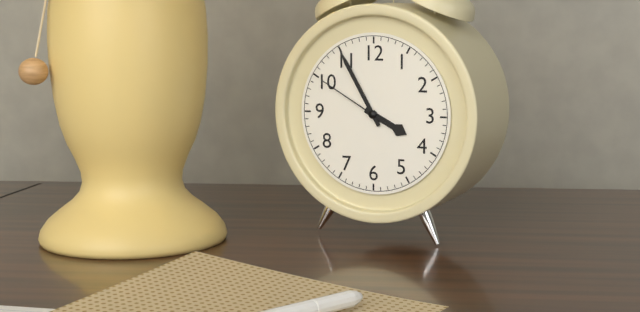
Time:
3:55:50
